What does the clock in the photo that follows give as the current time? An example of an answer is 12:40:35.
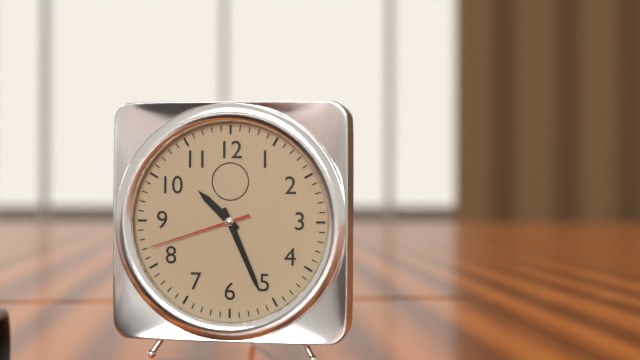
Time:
10:26:42
